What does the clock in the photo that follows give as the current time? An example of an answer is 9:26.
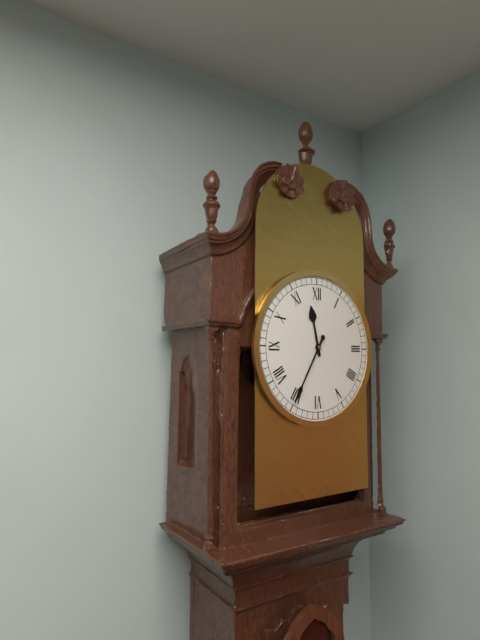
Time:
11:35
